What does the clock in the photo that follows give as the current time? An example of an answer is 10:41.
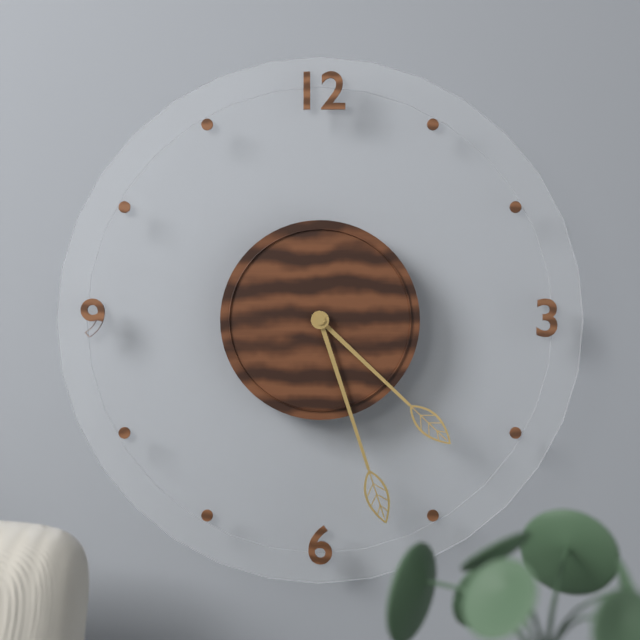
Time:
4:27
